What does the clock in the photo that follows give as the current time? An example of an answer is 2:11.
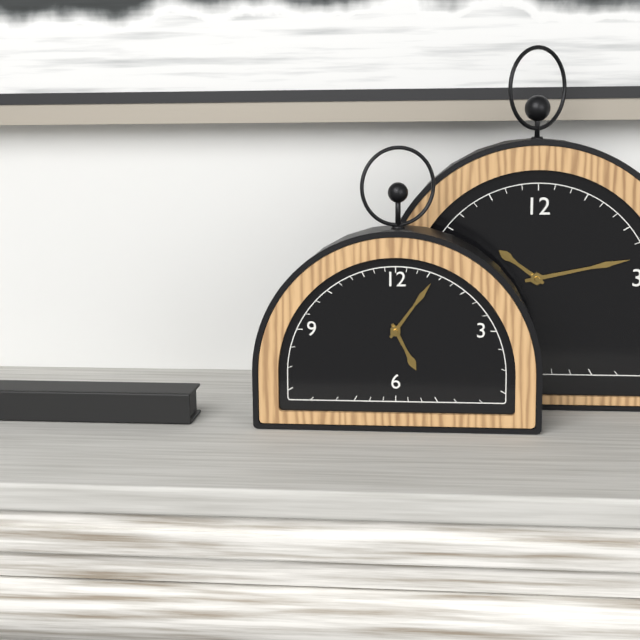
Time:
5:06
